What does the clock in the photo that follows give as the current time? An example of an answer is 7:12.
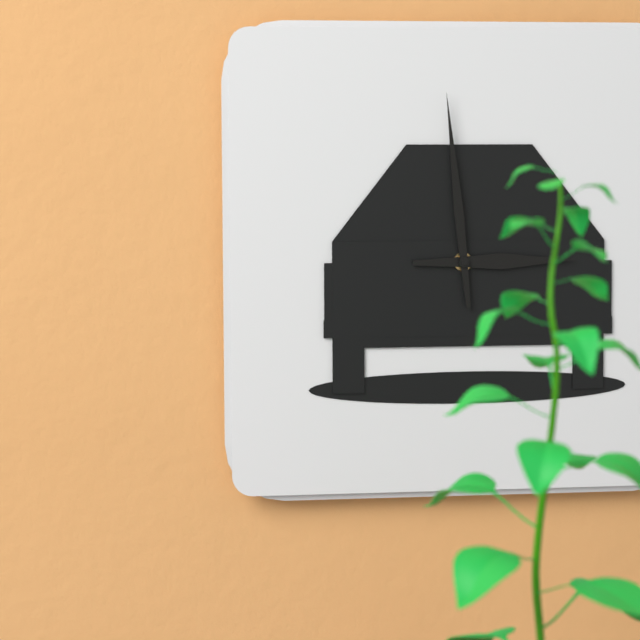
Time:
2:59
